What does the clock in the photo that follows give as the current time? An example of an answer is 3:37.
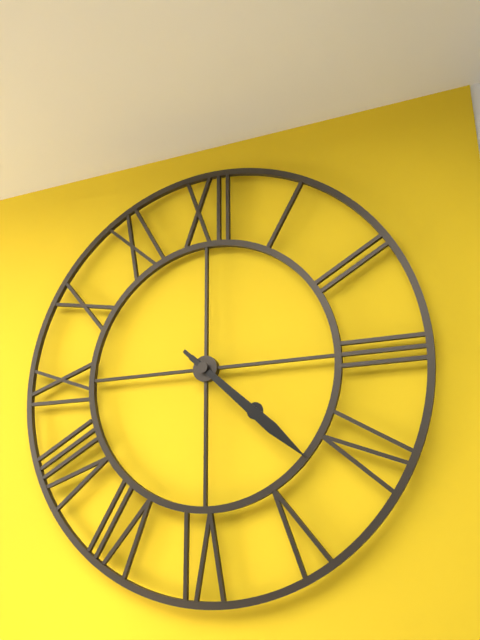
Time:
4:22
